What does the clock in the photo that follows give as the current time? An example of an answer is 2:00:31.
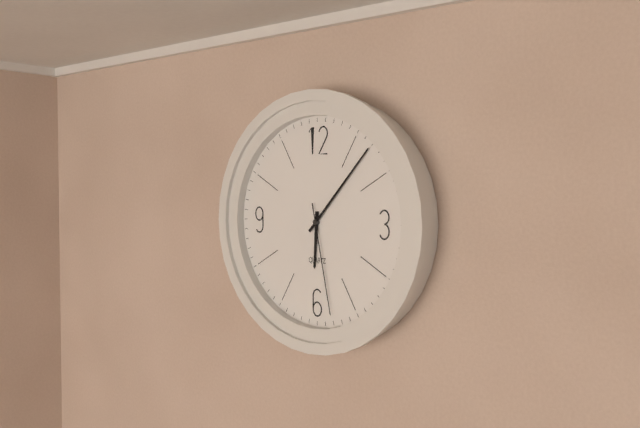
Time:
6:07:28
